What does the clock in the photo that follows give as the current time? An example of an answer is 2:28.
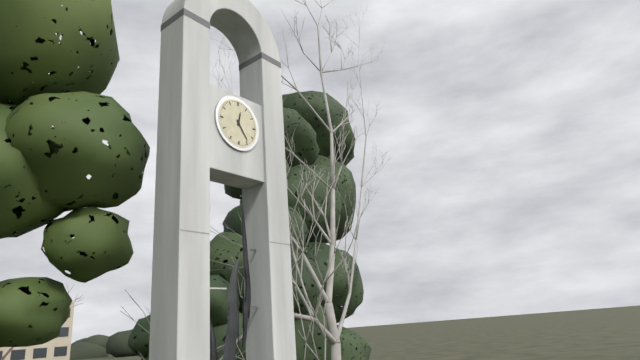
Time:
12:24
